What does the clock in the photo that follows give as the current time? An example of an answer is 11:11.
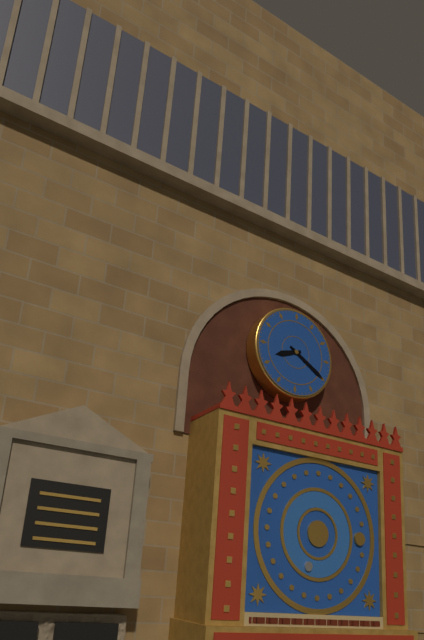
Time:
8:20
